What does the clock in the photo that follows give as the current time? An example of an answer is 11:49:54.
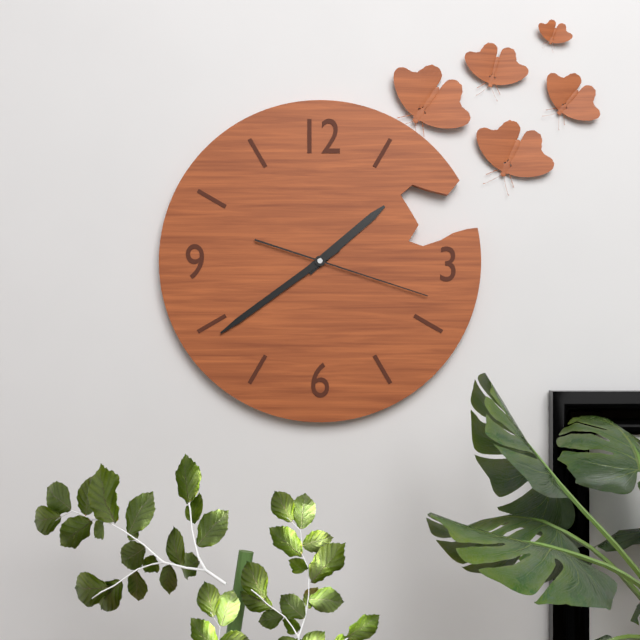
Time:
1:39:18
